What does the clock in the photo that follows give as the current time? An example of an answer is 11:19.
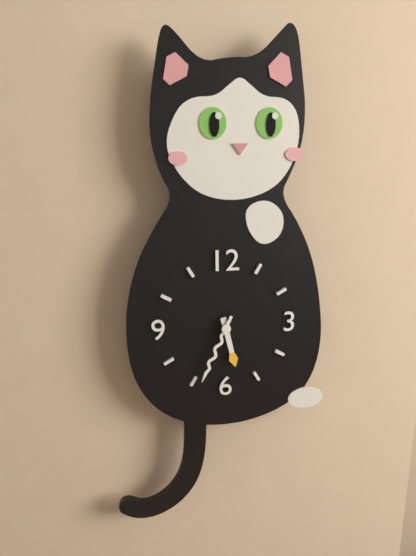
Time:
5:34
